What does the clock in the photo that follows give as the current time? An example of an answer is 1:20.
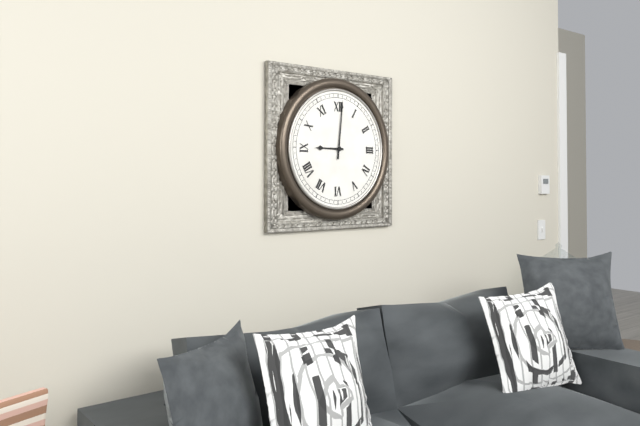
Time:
9:01
